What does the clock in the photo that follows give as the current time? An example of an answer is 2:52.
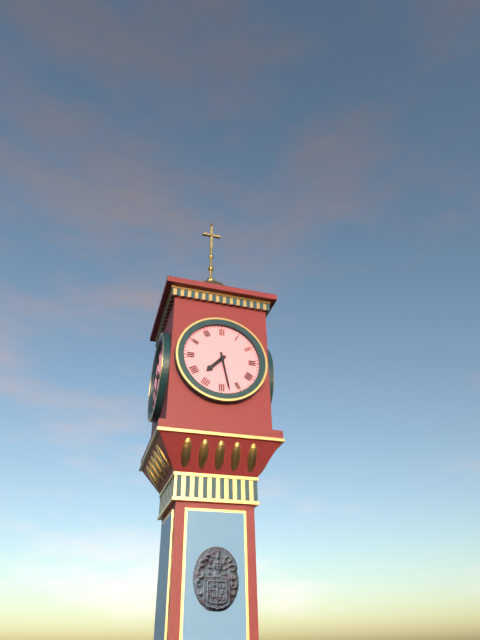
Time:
7:28
